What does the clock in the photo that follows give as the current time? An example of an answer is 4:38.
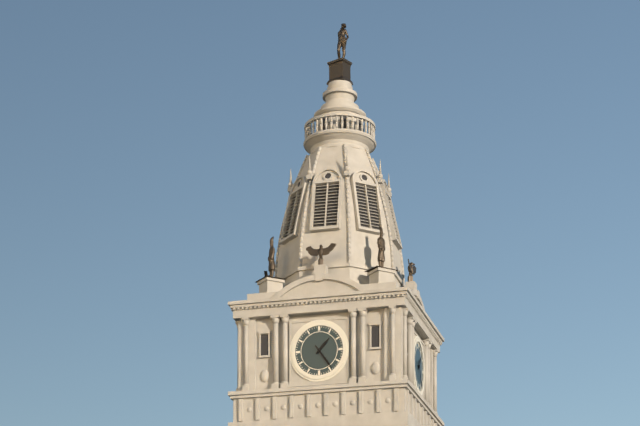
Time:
1:24
